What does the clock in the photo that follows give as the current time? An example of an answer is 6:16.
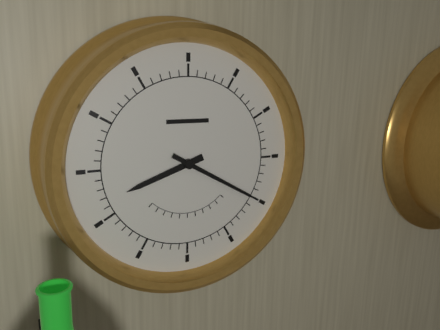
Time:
8:20
